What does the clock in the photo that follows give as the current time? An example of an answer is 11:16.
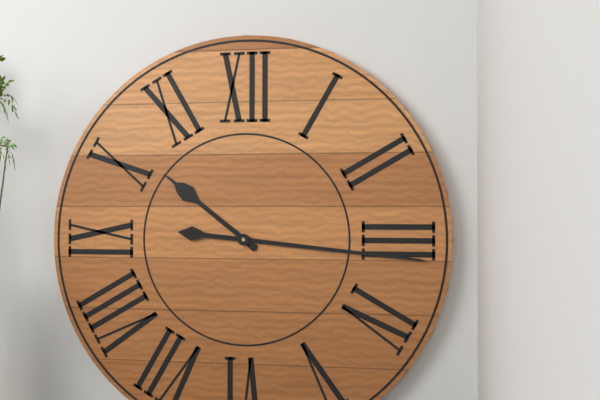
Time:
10:16
